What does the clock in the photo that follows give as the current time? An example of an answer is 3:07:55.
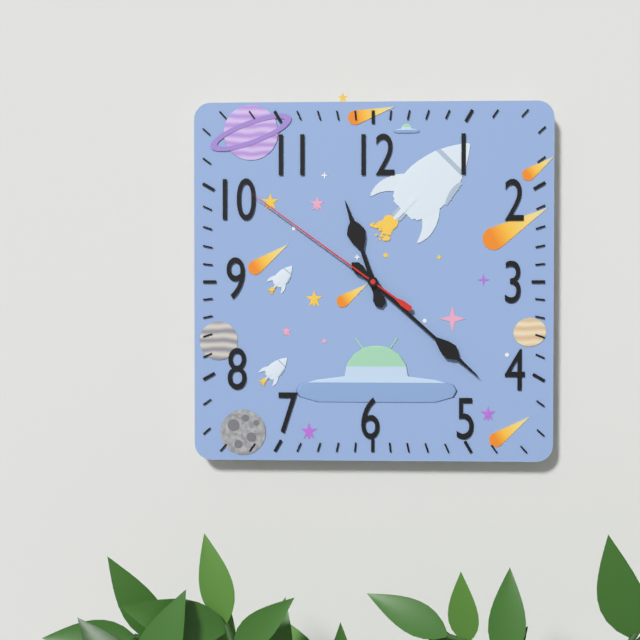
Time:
11:22:51
